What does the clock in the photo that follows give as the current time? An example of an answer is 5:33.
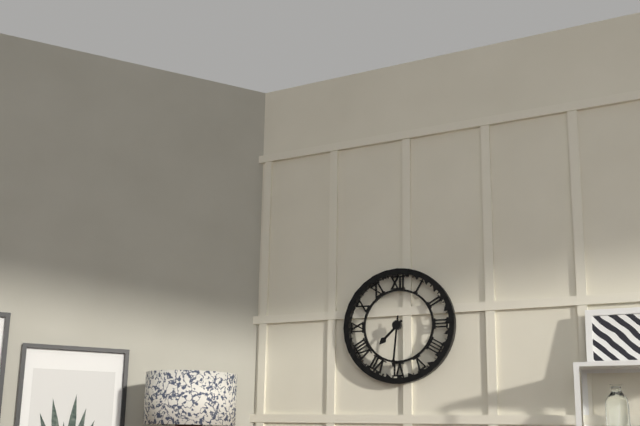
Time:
7:31
